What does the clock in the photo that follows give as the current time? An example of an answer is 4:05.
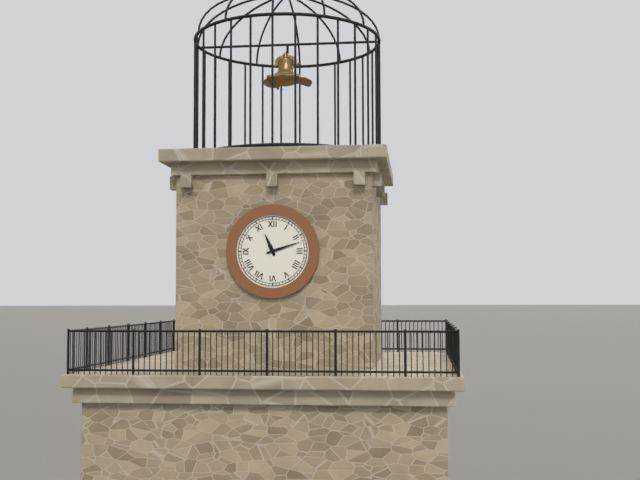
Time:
11:12
